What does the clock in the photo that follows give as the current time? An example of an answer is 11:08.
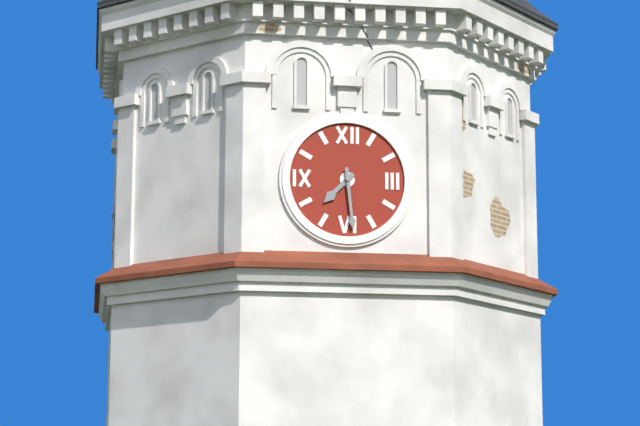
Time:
7:29
